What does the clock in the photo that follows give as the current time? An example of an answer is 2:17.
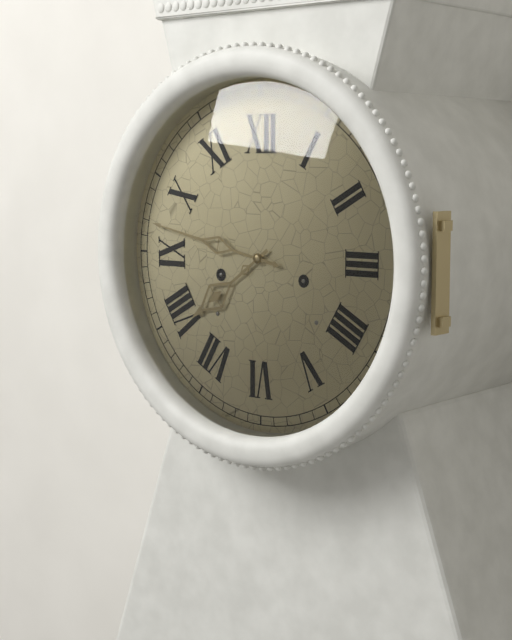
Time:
7:47
